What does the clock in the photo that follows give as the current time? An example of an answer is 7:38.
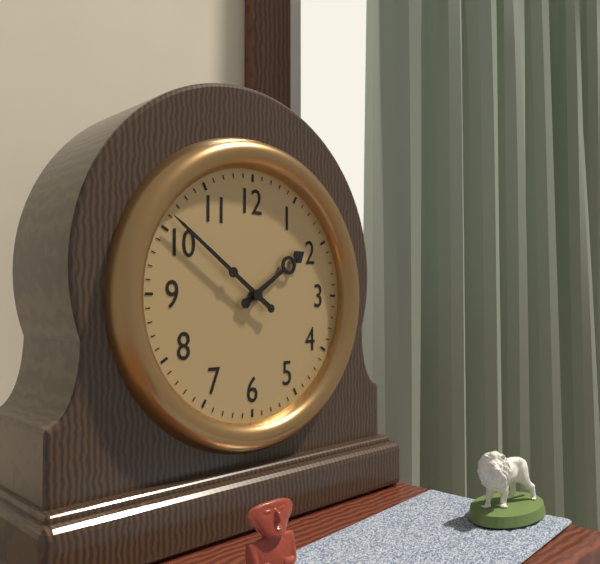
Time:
1:51
